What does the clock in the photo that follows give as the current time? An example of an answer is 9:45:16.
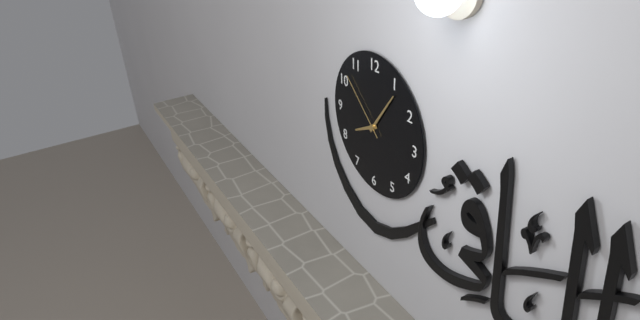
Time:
8:06:52
